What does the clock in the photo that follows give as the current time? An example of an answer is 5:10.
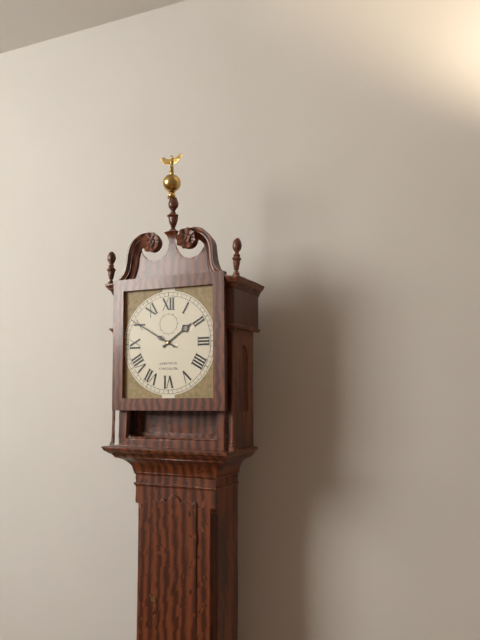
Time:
1:50
